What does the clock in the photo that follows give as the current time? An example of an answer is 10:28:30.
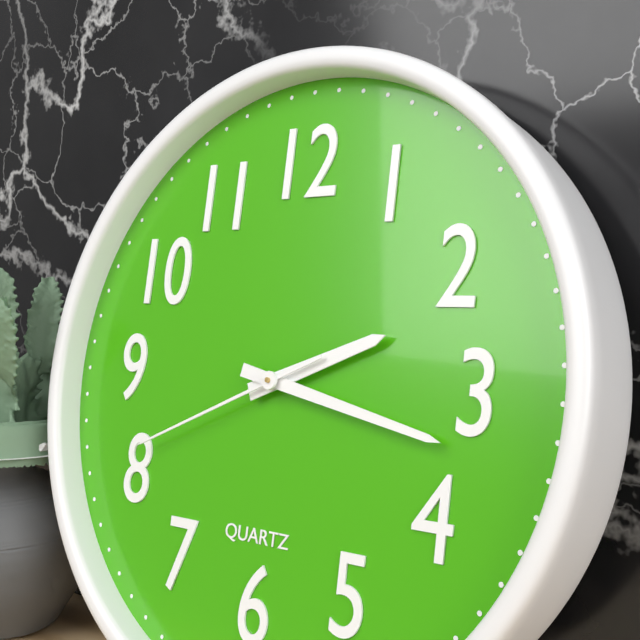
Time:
2:17:41
